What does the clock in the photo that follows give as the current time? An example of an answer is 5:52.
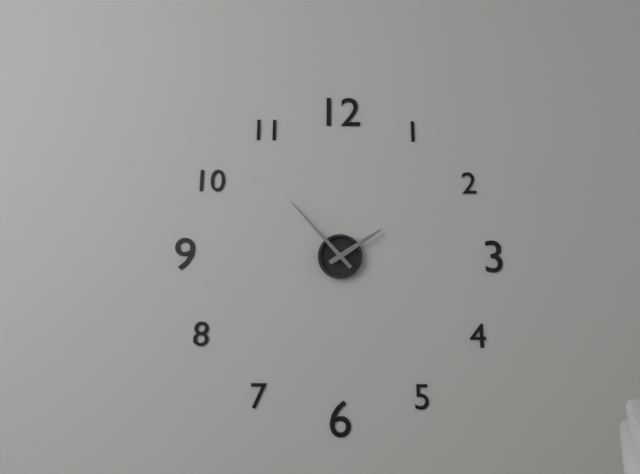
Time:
1:53
